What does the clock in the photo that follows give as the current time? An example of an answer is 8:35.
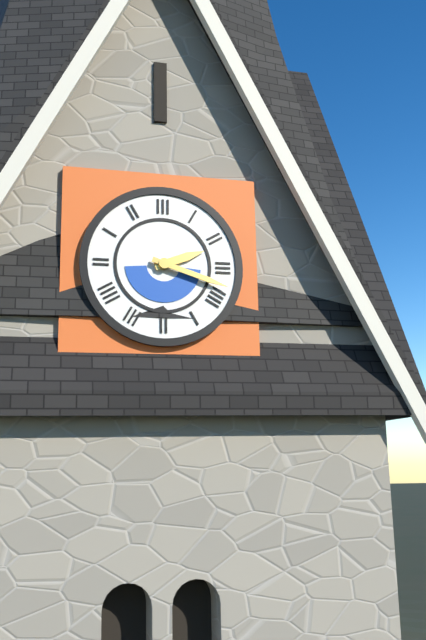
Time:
2:18
